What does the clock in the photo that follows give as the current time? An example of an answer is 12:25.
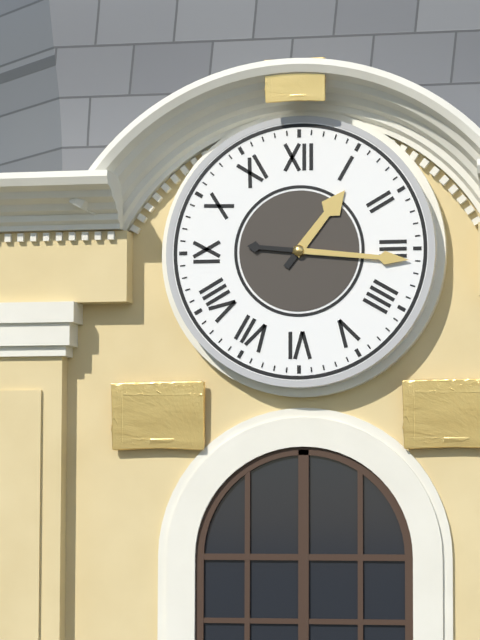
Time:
1:16
